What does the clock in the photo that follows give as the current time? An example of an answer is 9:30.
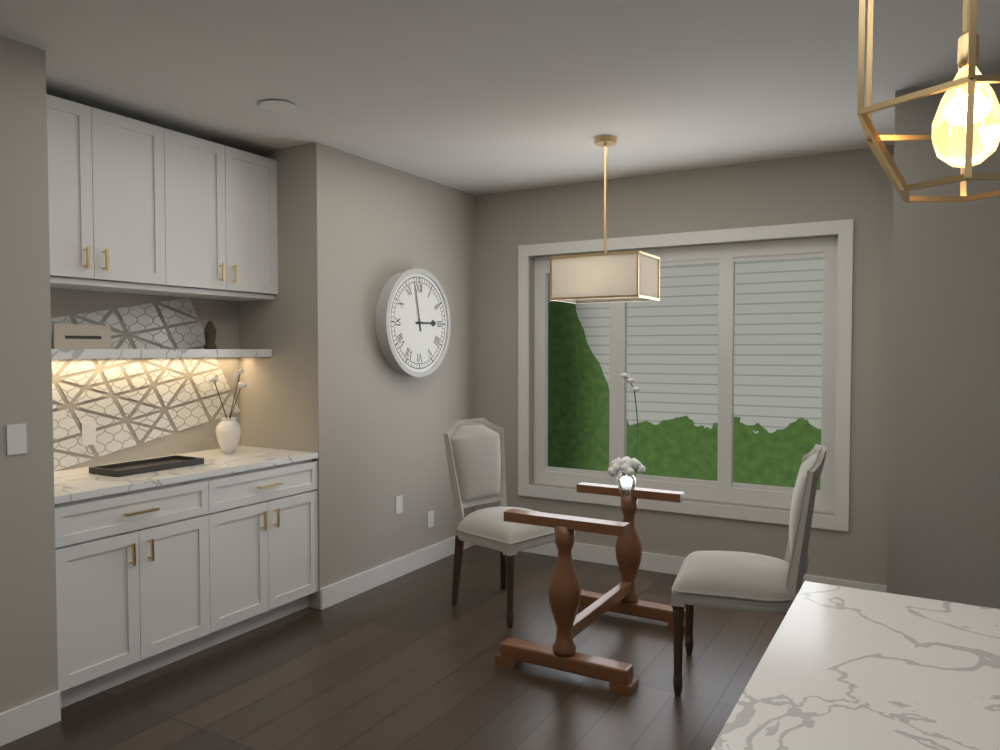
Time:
2:58
